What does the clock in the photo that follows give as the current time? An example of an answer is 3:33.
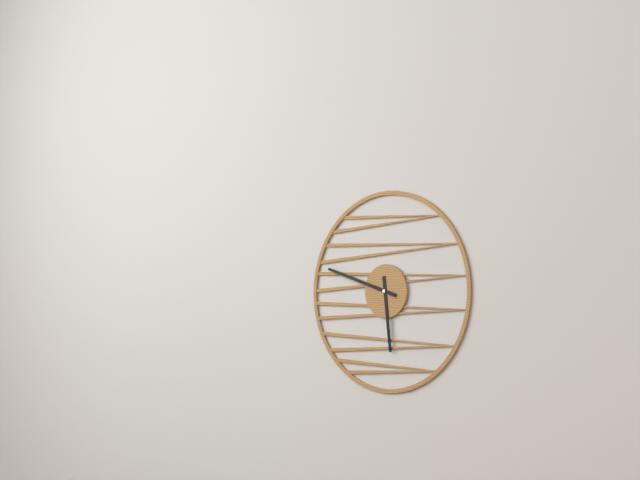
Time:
5:48
